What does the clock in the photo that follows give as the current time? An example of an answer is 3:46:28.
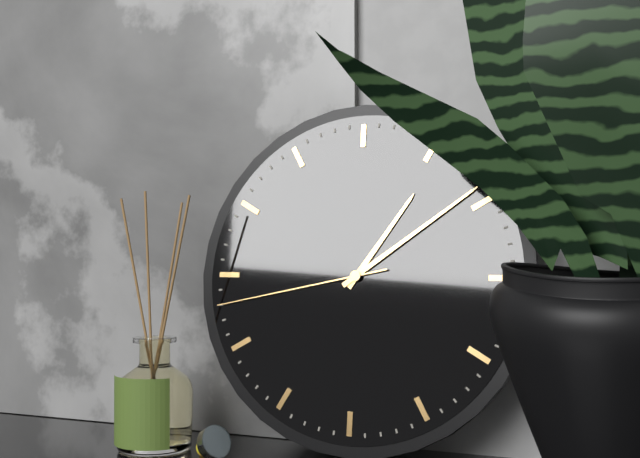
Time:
1:09:43
